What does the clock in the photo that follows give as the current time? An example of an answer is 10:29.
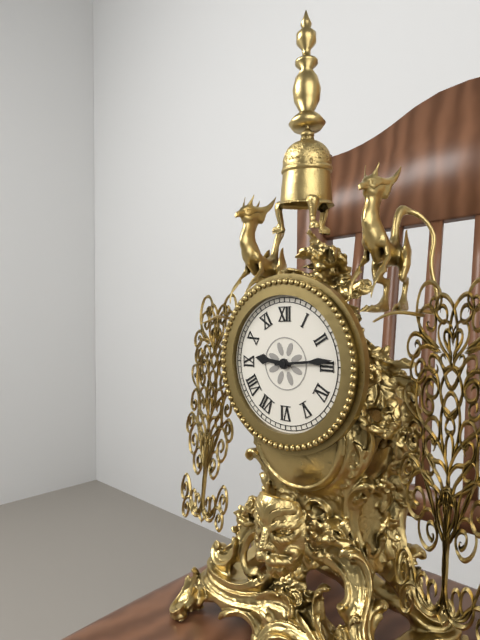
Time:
9:14
